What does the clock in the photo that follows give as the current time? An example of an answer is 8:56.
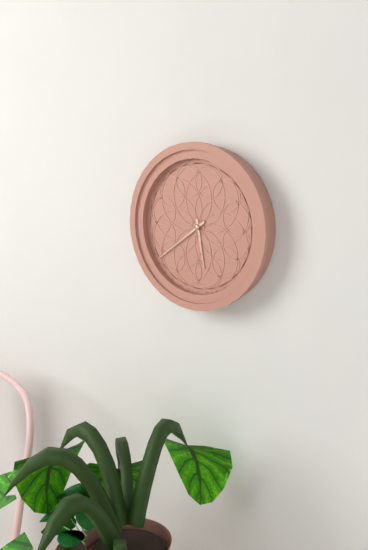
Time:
5:39
